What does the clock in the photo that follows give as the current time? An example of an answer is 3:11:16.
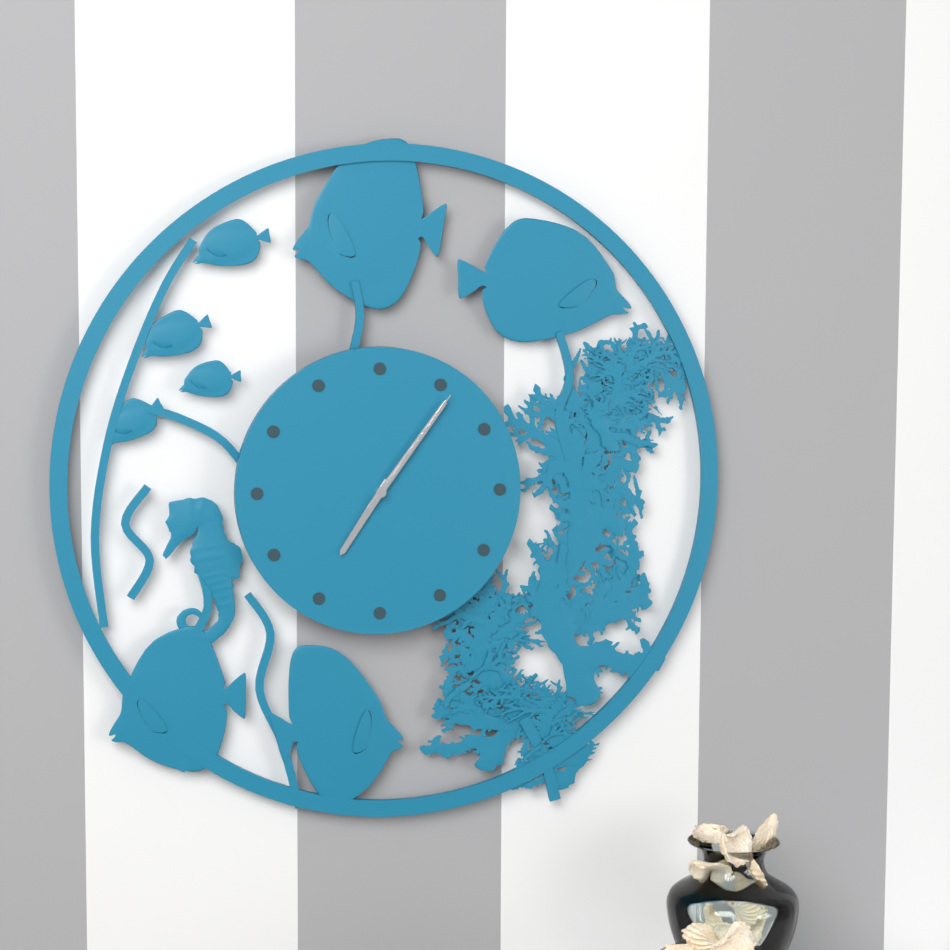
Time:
7:06:06
